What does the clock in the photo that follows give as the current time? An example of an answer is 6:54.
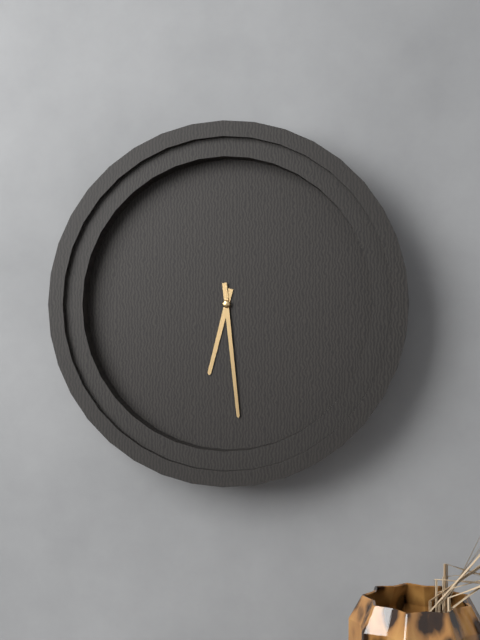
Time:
6:29
